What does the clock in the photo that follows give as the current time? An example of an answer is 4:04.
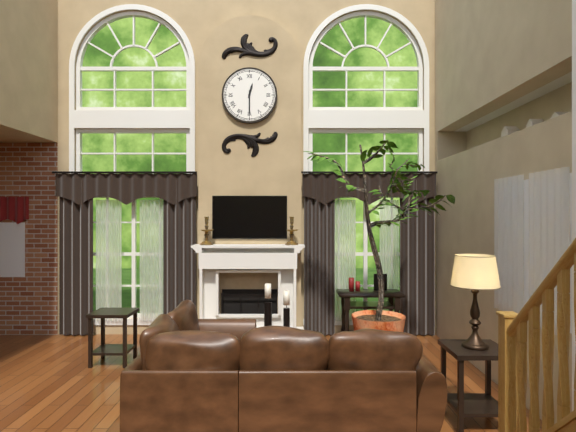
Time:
12:30
